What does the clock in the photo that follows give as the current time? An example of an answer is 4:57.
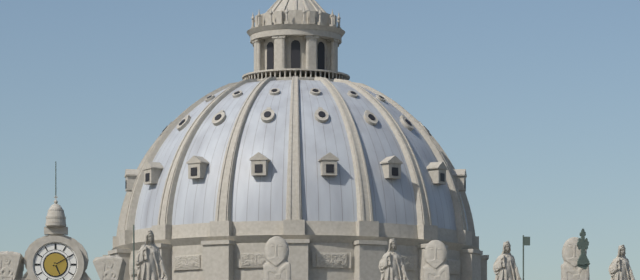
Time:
5:10
